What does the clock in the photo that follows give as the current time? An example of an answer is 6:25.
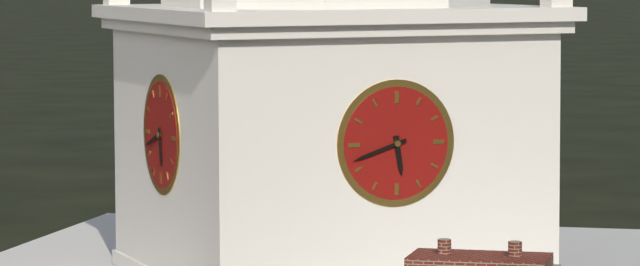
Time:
5:42
